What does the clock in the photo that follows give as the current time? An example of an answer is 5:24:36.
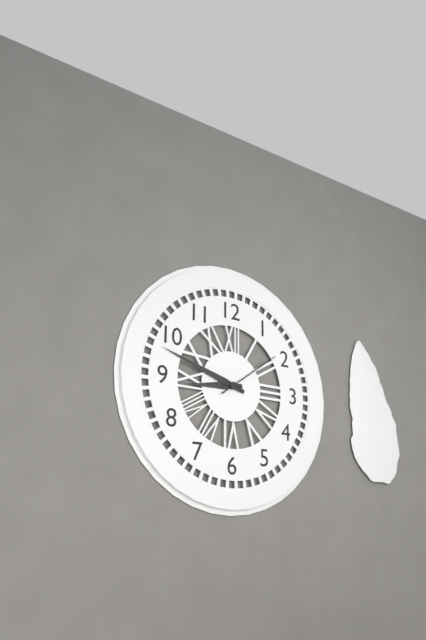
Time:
8:48:09
